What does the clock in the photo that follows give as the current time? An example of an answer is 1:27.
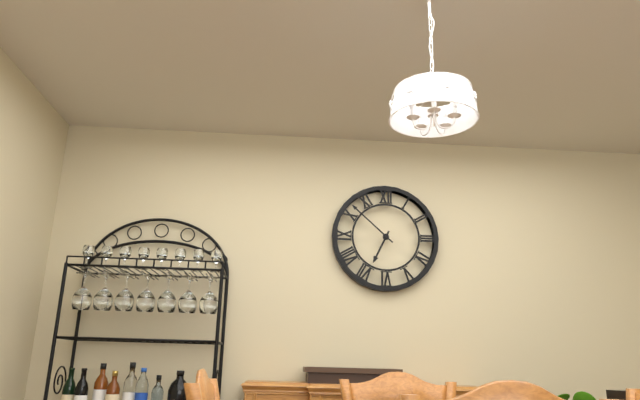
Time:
6:52
